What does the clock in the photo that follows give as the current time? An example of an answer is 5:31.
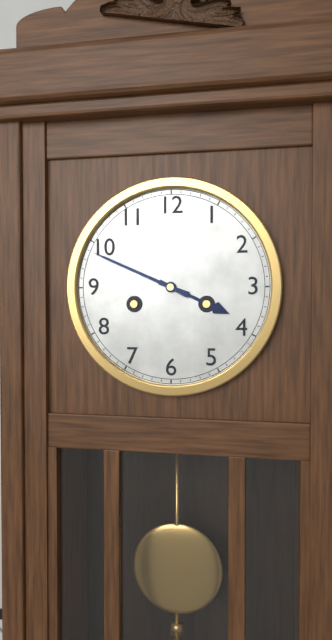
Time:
3:49
